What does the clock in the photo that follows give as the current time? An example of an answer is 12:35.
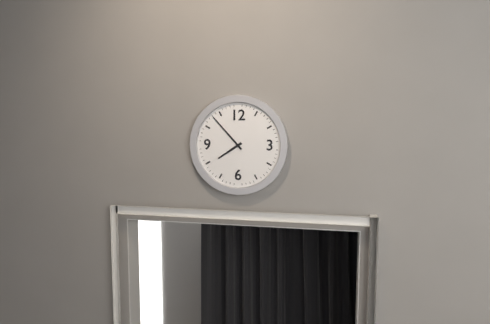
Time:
7:53
